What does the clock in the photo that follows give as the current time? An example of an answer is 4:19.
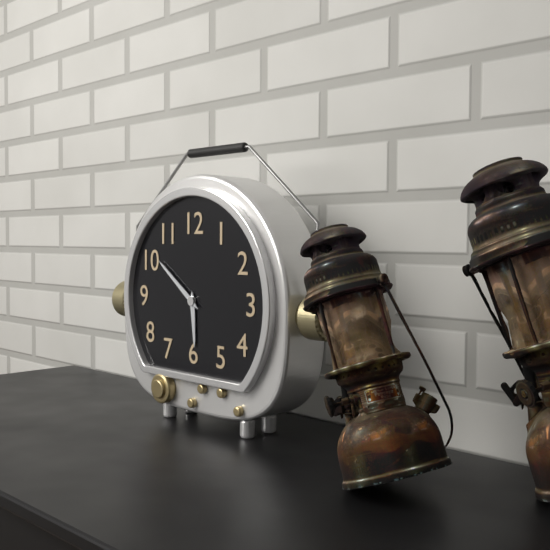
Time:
5:51
